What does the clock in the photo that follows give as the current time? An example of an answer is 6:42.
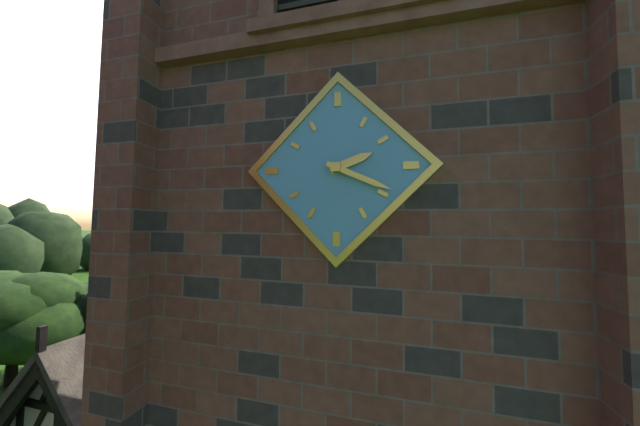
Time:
2:19
